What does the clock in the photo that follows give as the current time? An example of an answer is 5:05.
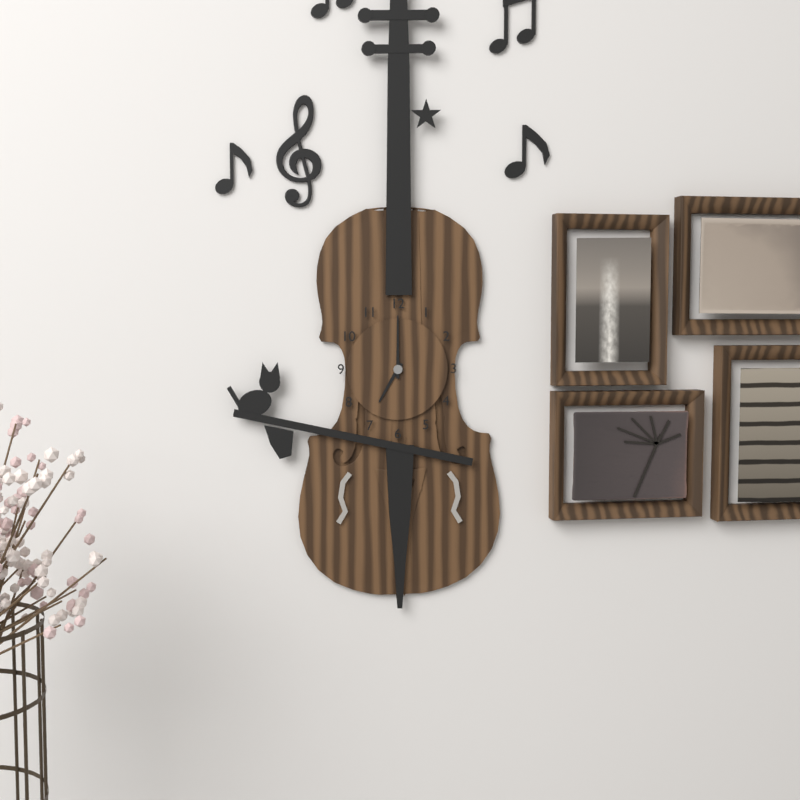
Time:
7:00
